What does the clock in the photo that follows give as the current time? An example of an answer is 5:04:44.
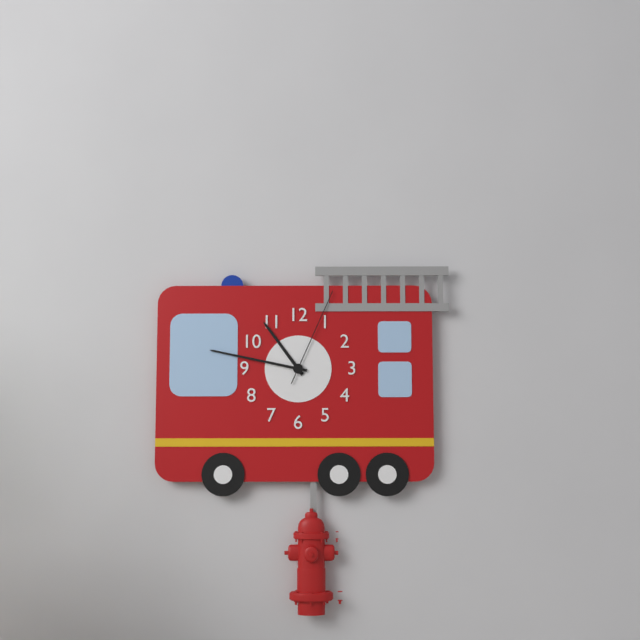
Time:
10:47:04
